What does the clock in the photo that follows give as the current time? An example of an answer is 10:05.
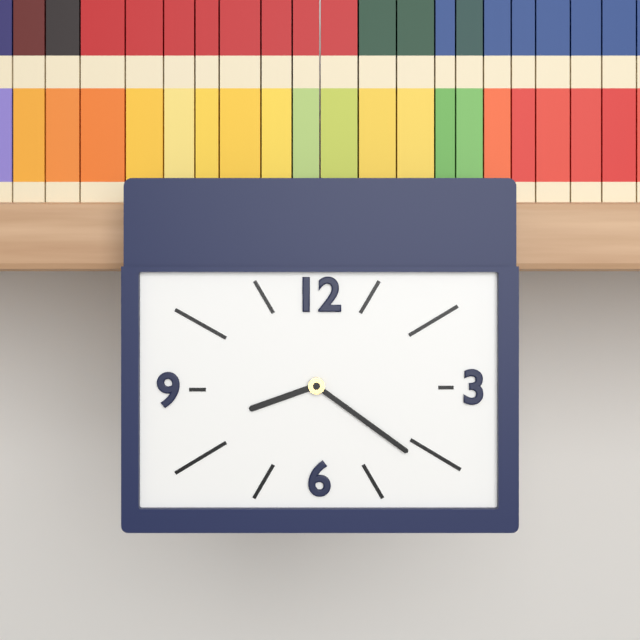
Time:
8:21
